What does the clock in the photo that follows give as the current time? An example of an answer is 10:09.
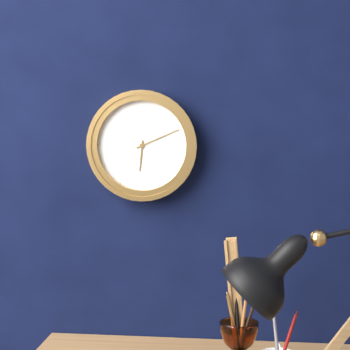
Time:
6:11
